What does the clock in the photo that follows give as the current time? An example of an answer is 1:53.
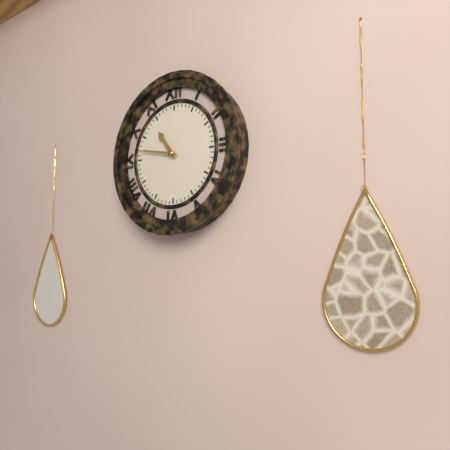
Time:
10:47
